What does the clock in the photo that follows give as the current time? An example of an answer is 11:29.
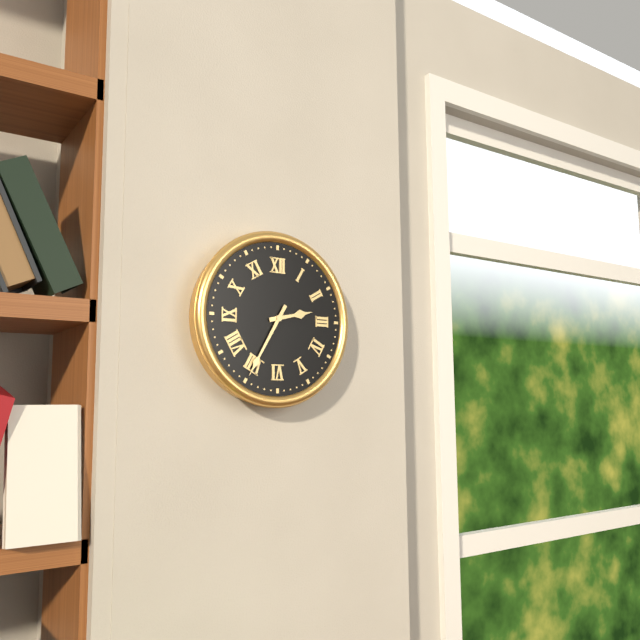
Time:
2:35
